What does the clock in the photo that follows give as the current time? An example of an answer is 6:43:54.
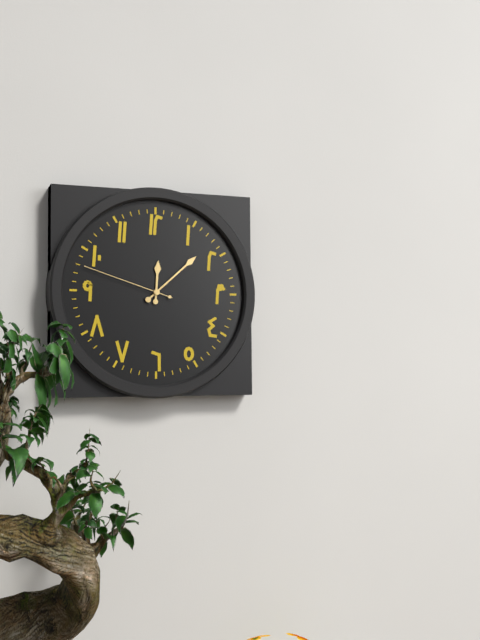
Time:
12:08:48
